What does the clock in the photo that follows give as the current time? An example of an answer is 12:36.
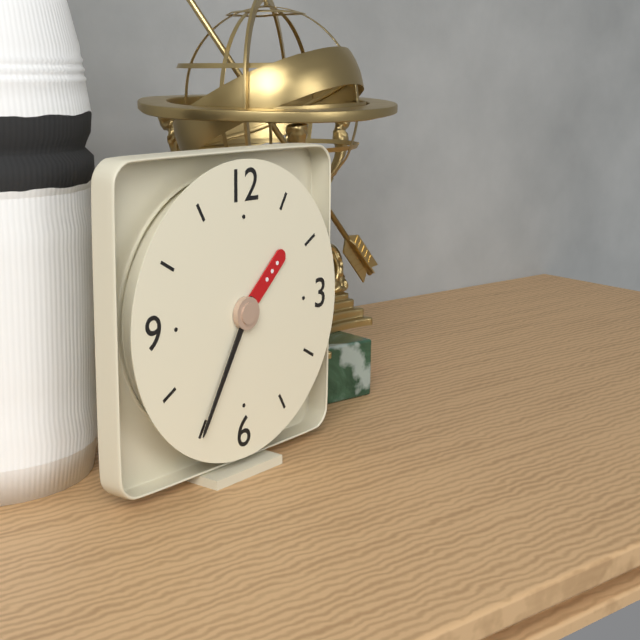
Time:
1:35
